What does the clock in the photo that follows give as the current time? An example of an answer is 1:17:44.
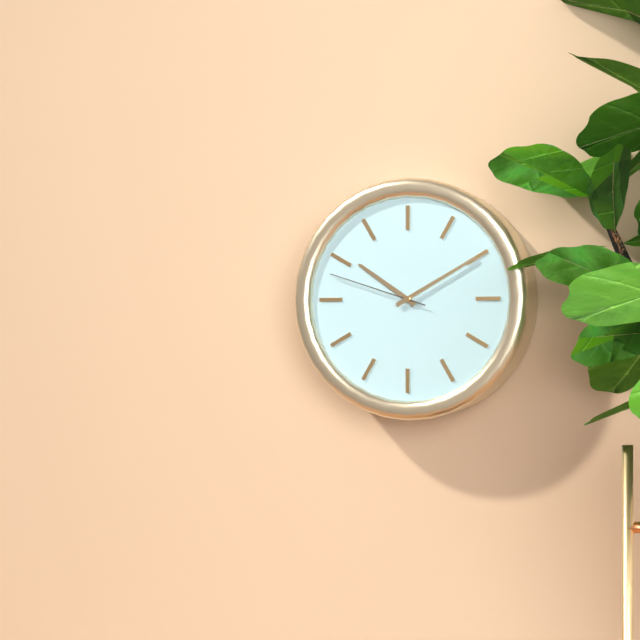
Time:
10:10:48
